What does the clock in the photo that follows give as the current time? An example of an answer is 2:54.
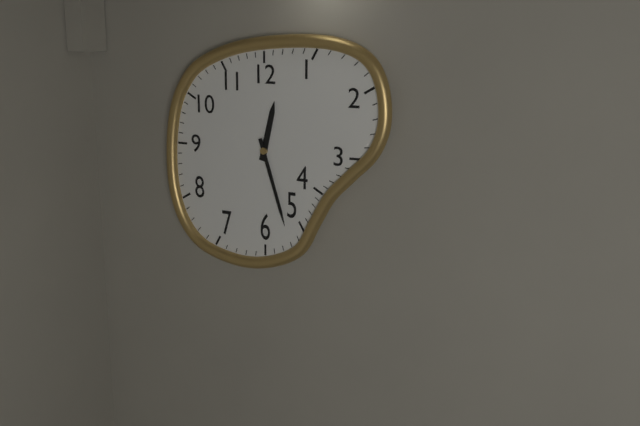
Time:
12:27
